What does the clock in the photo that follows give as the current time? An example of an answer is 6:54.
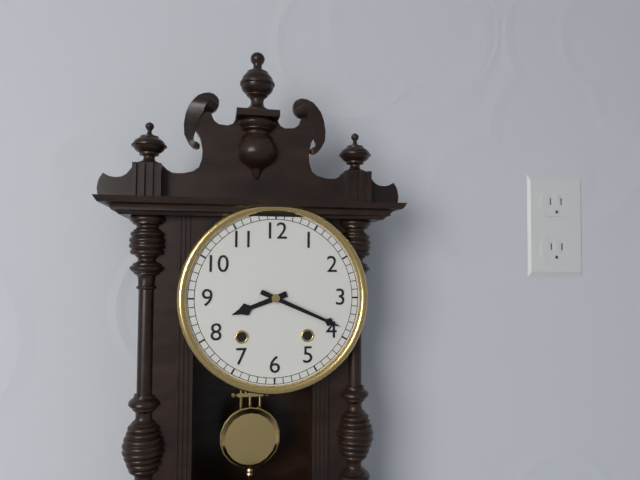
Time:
8:19
